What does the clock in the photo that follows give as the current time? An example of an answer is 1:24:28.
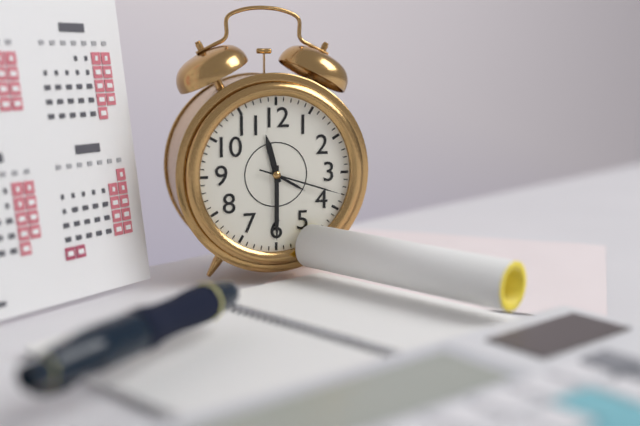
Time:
11:30:18
